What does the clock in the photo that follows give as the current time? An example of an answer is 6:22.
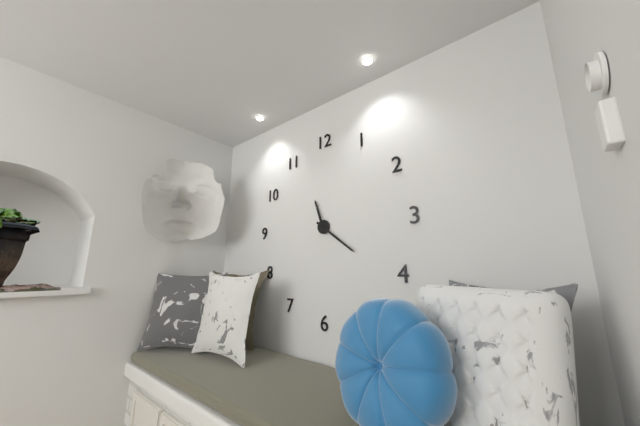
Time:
11:21
